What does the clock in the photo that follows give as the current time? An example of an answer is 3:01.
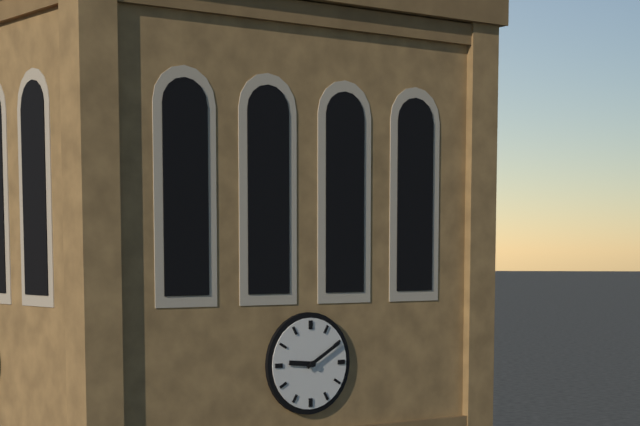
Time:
9:10
